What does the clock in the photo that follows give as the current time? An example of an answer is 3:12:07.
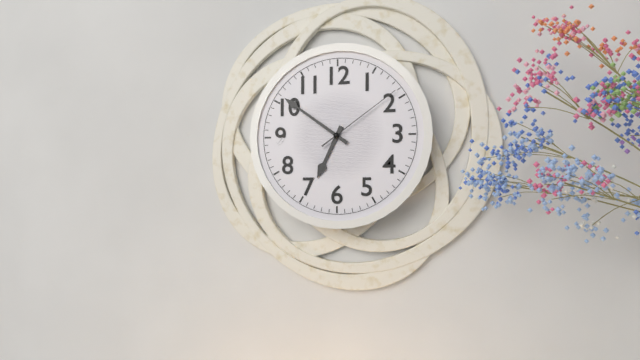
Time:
6:51:09
